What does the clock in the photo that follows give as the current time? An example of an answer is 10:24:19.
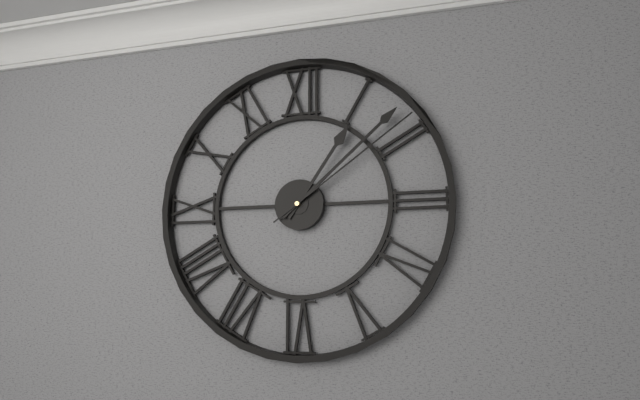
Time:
1:08:09
